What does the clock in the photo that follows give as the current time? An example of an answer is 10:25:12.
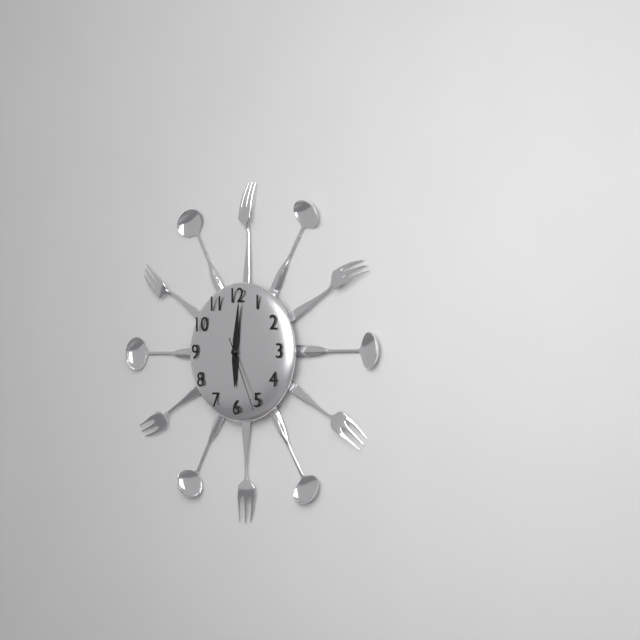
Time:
6:01:26
